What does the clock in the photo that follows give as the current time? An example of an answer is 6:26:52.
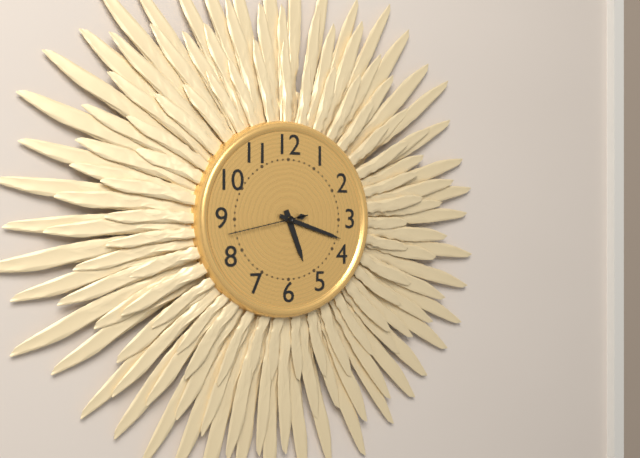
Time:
5:18:43
